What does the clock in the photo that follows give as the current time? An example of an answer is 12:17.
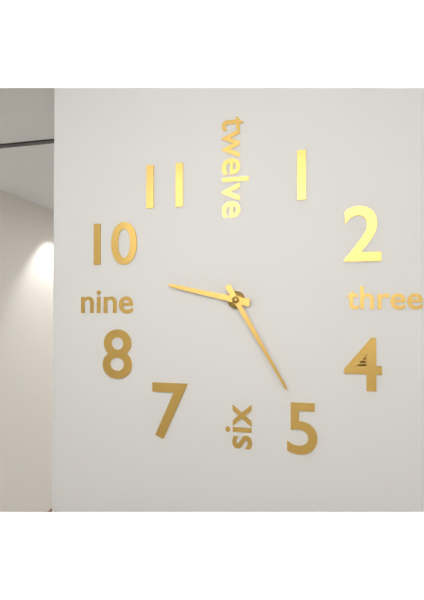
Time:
9:25
